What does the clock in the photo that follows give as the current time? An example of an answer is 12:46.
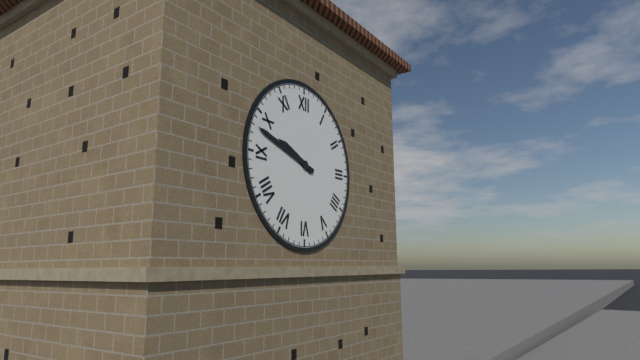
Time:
9:48
